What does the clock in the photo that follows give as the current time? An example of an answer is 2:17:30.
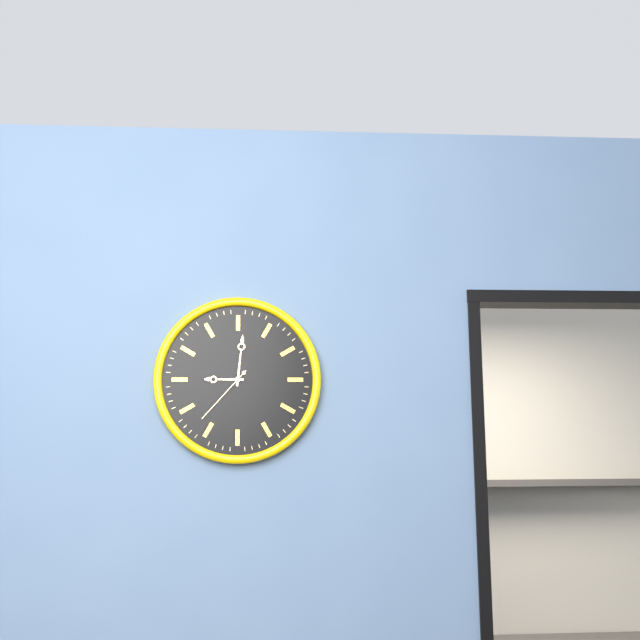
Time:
9:01:37
